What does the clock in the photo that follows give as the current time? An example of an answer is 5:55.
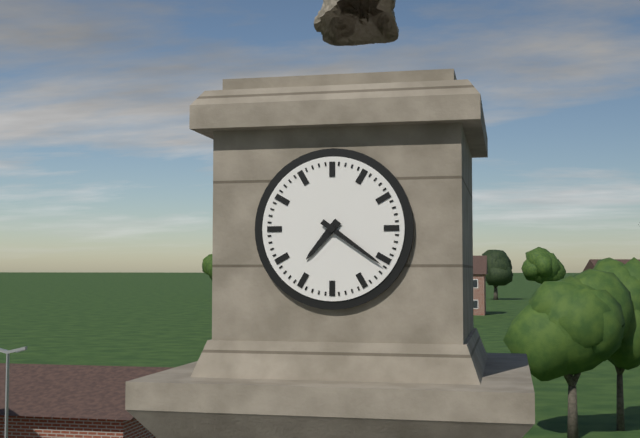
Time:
7:21
